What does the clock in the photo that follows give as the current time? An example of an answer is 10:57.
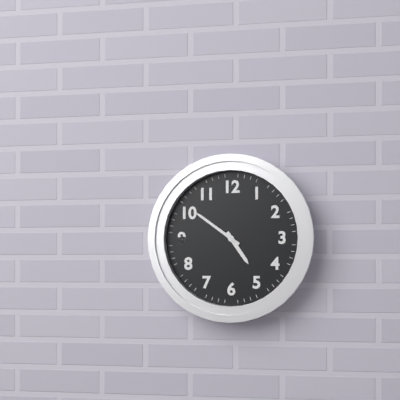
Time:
4:51
